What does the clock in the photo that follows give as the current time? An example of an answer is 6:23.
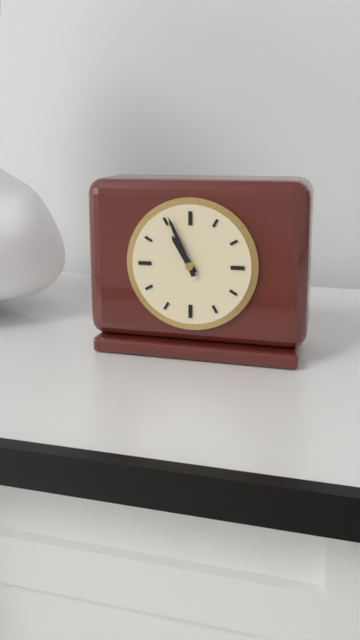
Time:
10:56
